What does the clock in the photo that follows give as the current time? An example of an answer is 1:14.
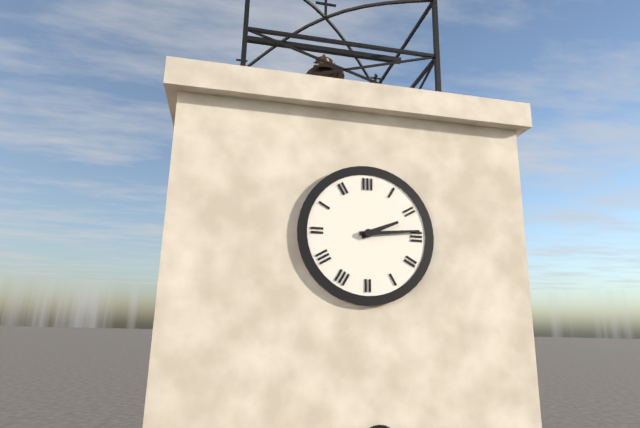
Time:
2:14
